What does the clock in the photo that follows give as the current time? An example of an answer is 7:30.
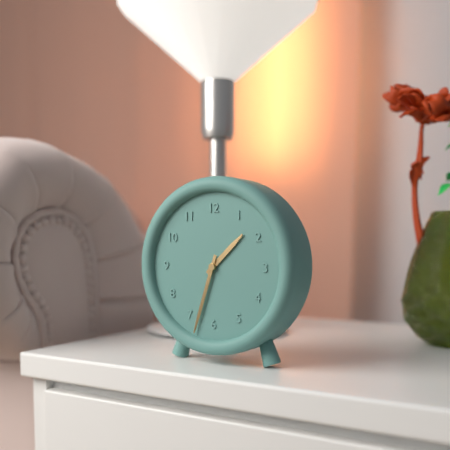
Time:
1:33
